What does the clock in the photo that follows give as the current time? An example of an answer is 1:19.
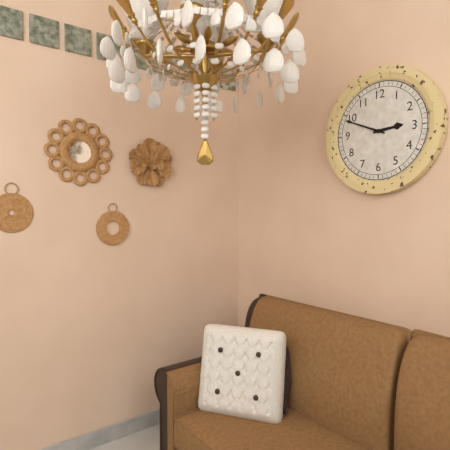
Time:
2:49
